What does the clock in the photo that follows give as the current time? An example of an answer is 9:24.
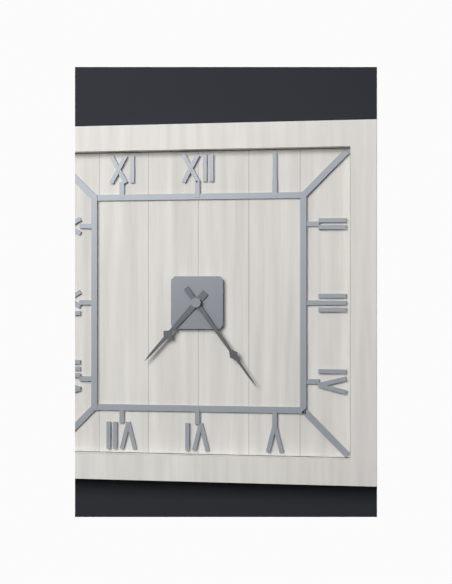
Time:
7:24
